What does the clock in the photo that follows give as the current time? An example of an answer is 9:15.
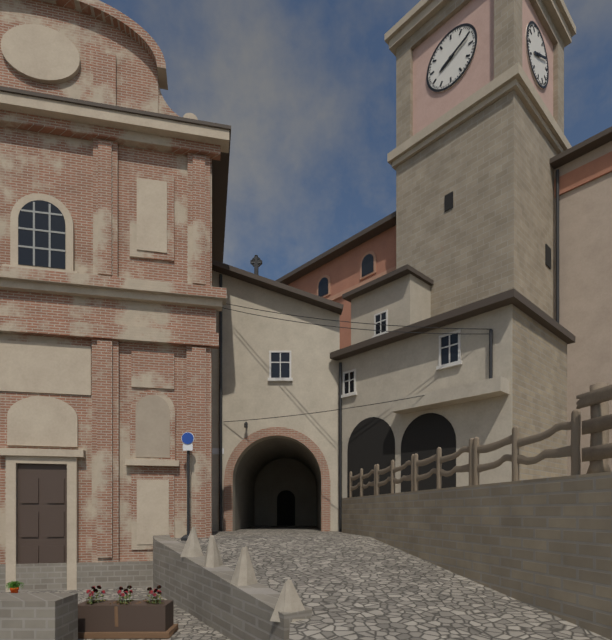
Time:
8:11
